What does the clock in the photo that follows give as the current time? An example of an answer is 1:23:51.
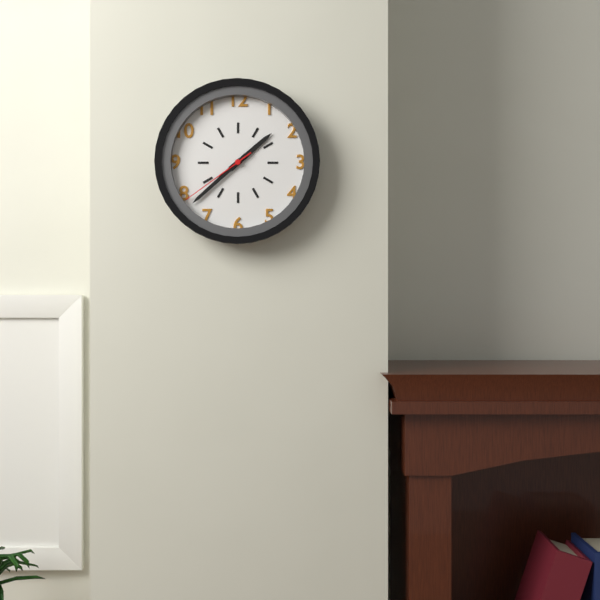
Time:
1:38:39
